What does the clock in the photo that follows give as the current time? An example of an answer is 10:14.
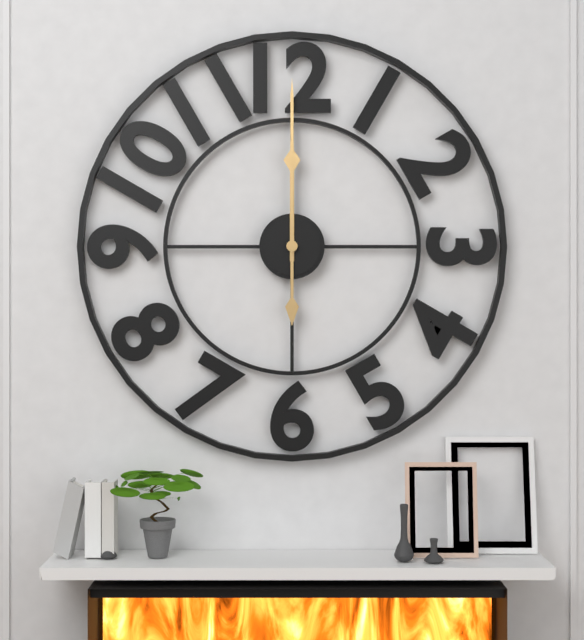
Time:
12:00
